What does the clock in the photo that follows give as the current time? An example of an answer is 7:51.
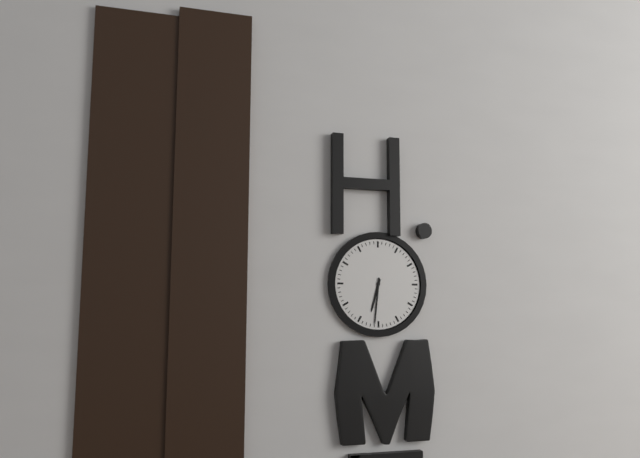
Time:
6:31
